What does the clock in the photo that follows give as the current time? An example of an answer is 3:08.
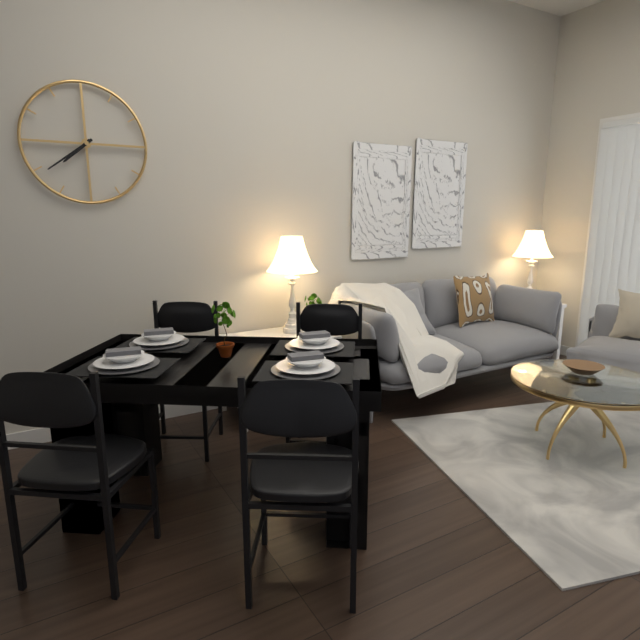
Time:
7:39
